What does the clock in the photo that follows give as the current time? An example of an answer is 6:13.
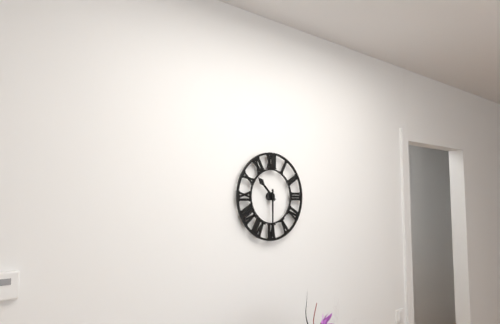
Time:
10:30
